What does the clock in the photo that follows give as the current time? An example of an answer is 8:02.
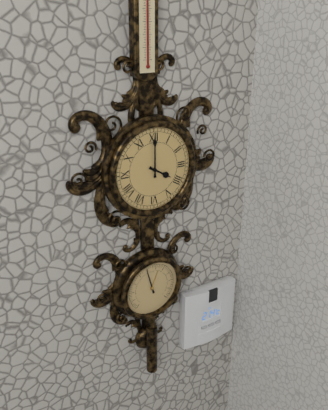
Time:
4:00
